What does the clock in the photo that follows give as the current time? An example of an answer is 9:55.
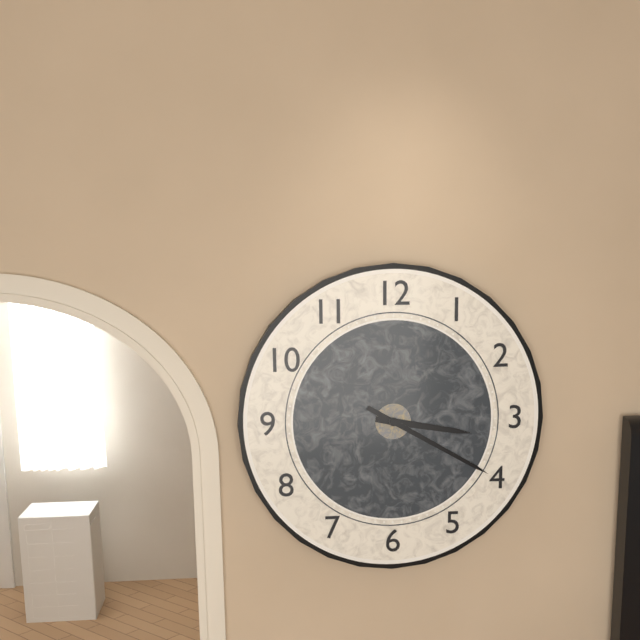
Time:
3:20
